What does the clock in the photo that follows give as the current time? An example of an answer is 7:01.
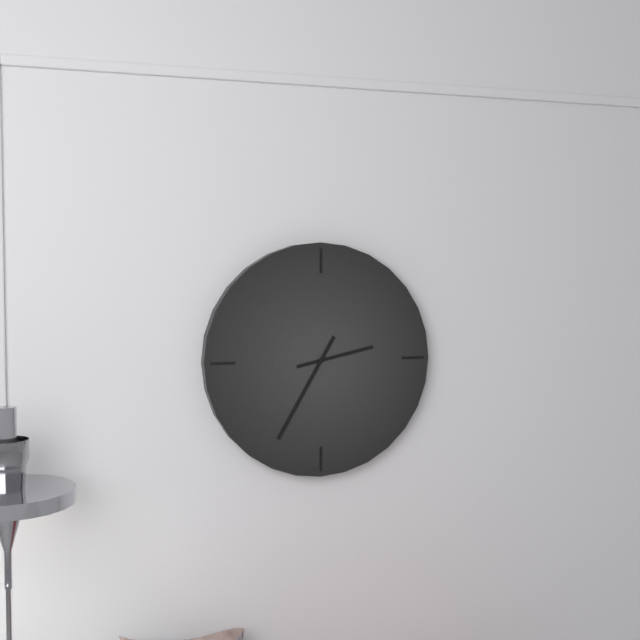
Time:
2:35
